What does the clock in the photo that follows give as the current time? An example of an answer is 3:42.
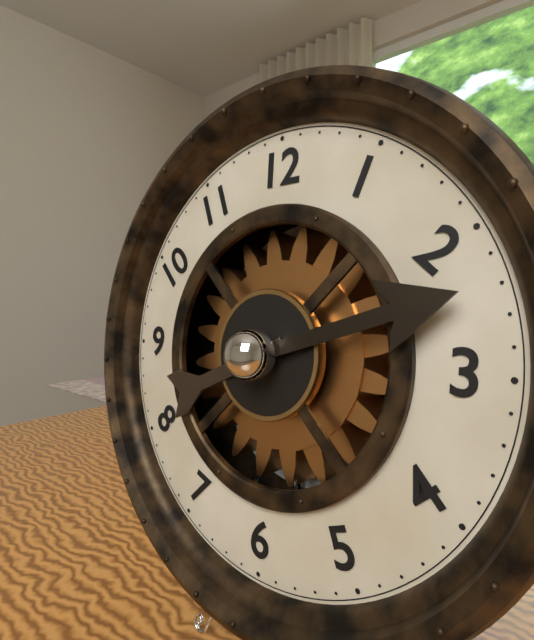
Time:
8:12
